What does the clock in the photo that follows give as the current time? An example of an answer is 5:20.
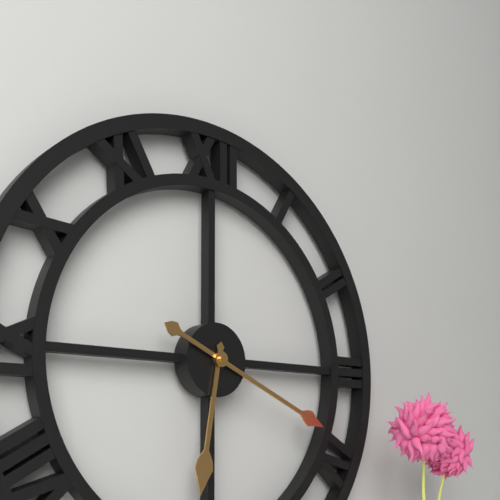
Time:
6:19
